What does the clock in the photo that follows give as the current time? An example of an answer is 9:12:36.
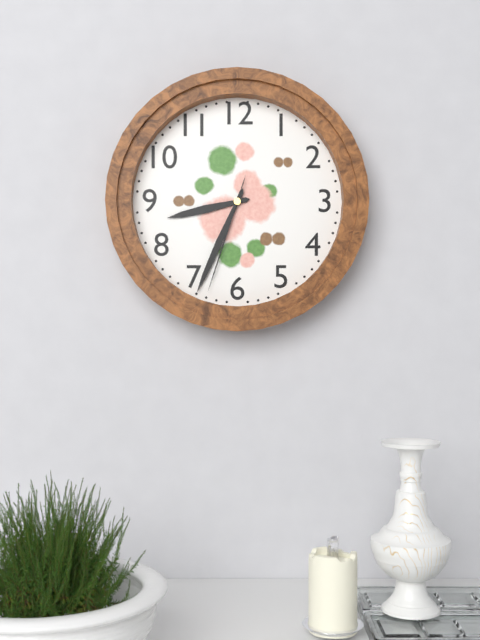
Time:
8:34:33
